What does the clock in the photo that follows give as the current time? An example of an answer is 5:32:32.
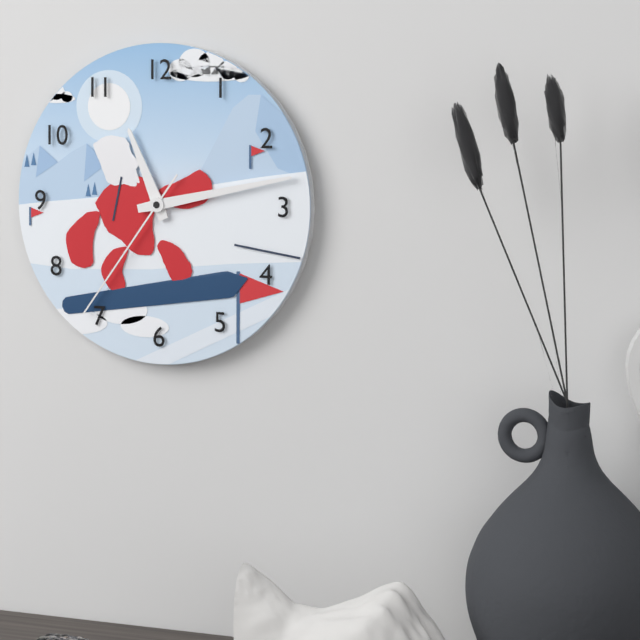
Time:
11:13:36
